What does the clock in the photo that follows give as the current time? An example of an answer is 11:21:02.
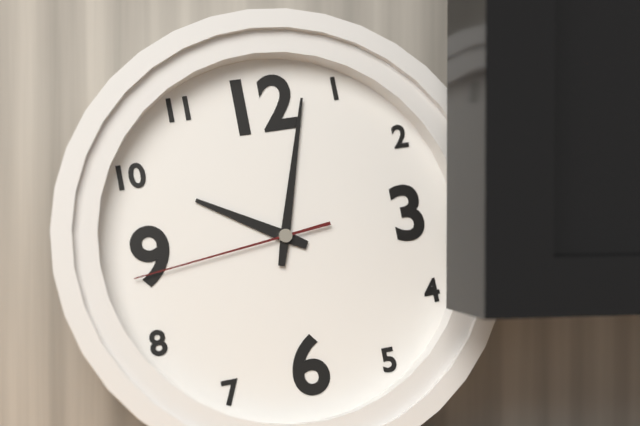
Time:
10:03:44
